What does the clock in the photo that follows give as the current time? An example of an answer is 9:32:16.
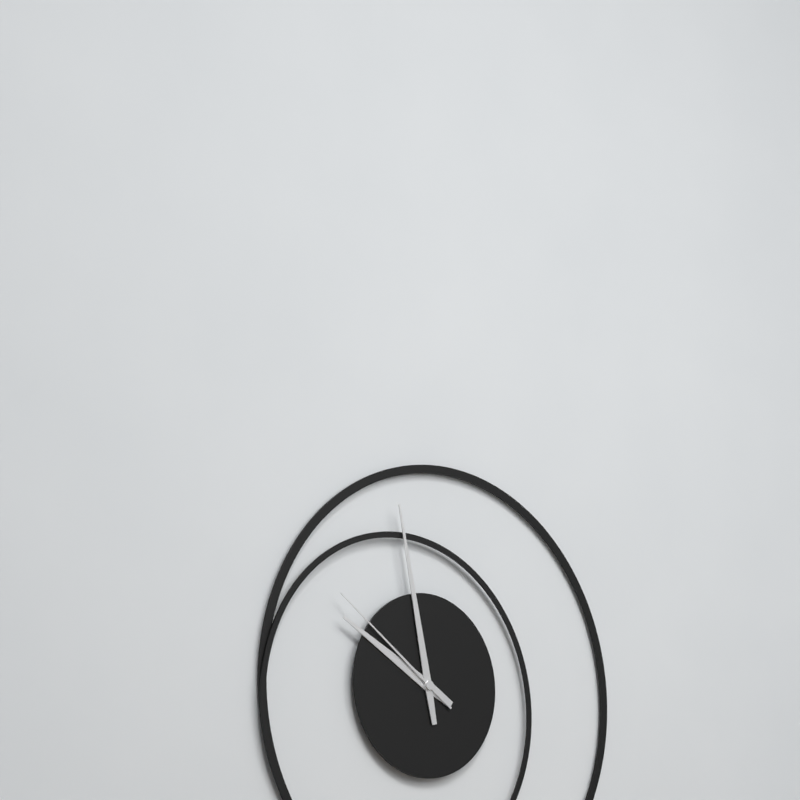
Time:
9:58:51
